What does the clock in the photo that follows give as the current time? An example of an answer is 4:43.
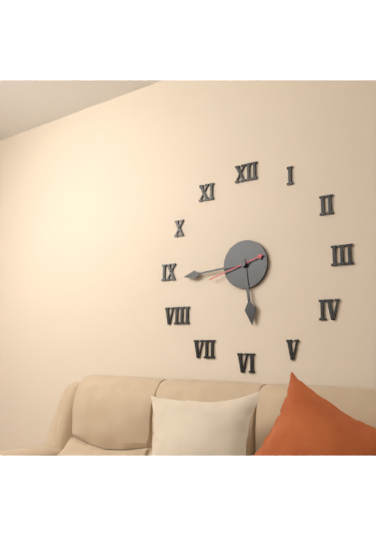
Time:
5:44
